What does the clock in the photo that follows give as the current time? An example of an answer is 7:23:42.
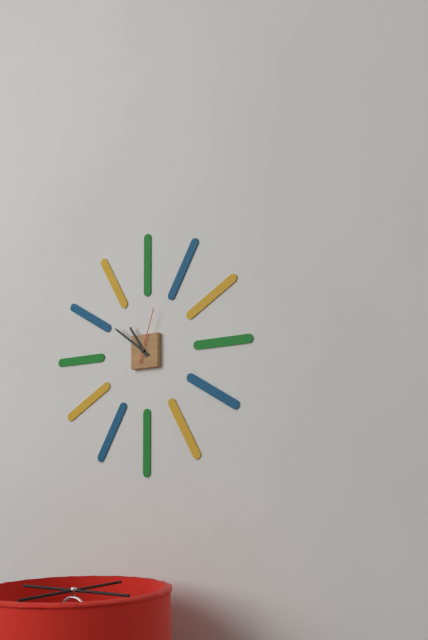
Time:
10:51:03
